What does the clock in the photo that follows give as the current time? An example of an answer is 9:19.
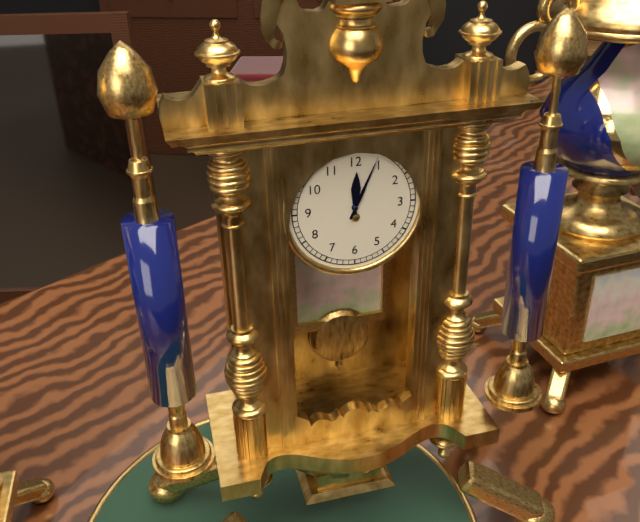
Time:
12:04
